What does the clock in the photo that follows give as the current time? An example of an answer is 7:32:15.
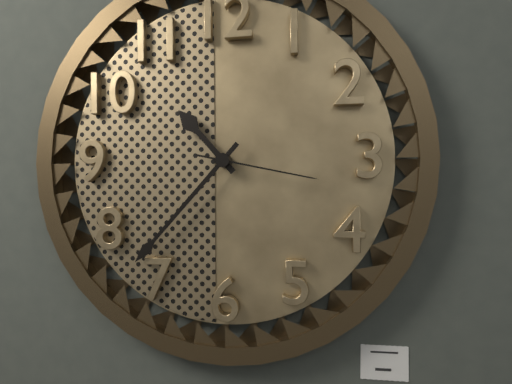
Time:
10:37:17
